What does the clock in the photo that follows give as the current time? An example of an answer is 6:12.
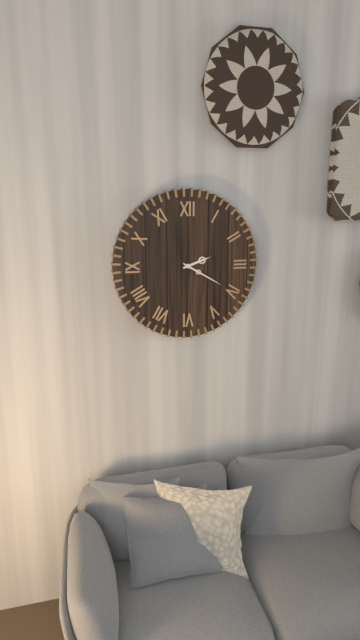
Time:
2:20
